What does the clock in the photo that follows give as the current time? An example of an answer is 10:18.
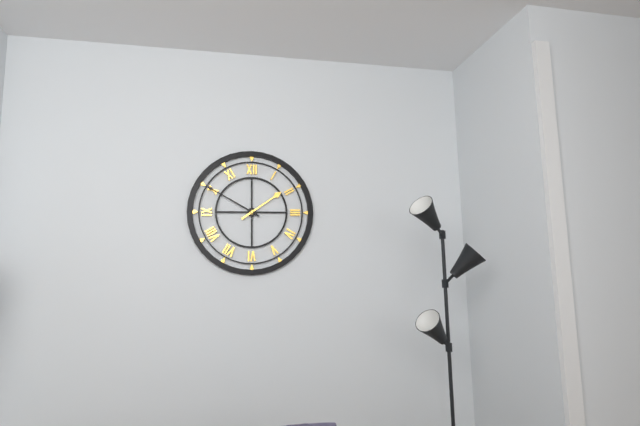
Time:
1:50
